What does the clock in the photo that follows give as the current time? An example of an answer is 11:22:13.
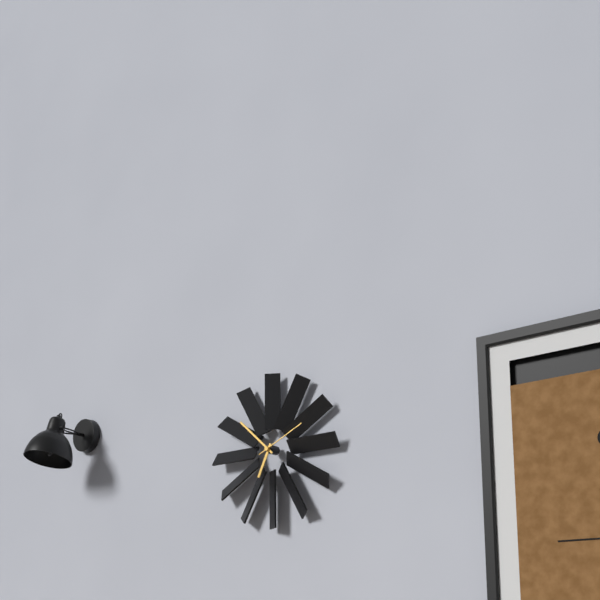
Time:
6:52:11
